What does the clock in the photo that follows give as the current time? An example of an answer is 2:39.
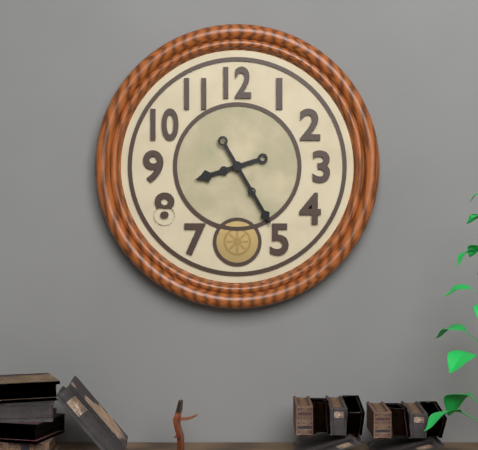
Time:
8:25
